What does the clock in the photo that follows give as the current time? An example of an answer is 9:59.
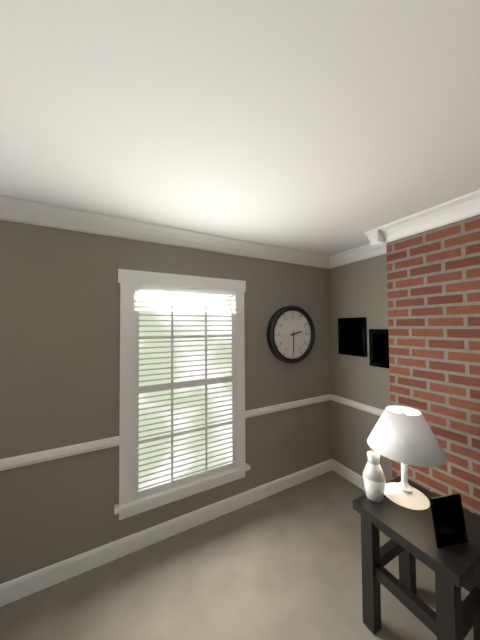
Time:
2:30
